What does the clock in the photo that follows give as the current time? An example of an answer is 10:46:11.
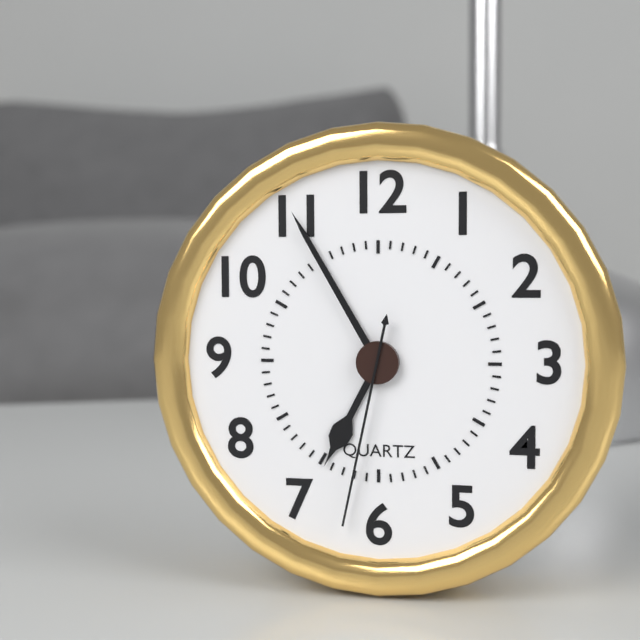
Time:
6:55:32
